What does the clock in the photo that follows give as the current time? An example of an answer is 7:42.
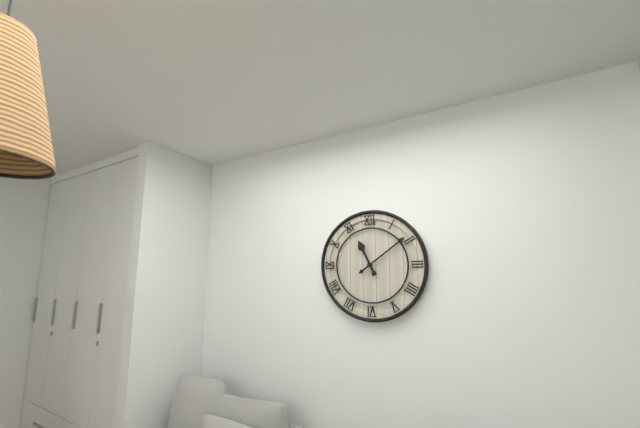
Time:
11:09
